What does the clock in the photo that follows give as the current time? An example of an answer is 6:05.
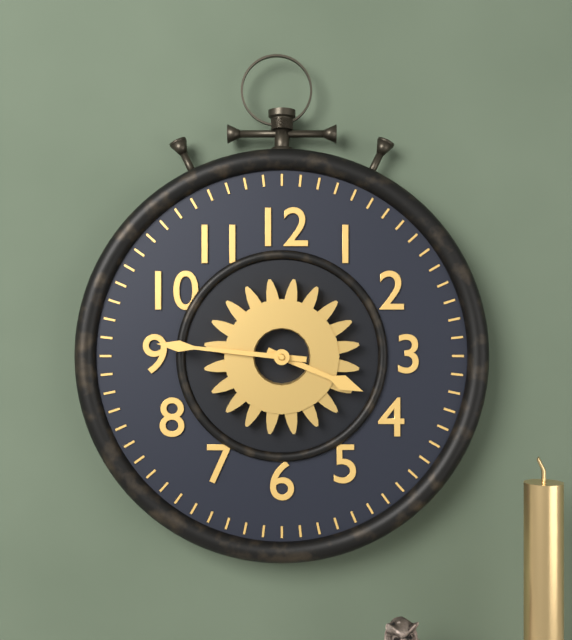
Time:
3:46
